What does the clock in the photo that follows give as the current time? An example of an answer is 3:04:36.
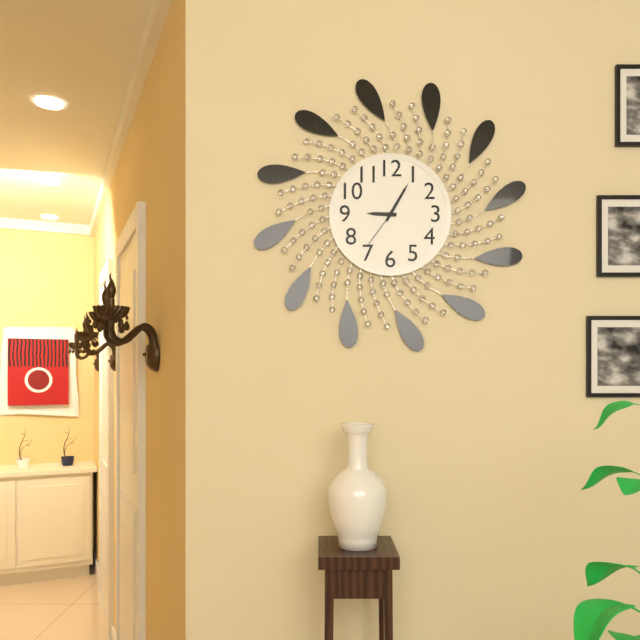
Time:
9:05:36
